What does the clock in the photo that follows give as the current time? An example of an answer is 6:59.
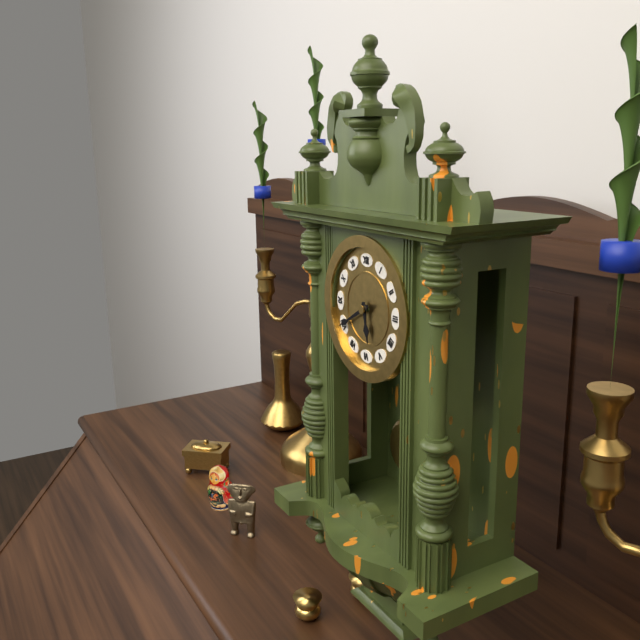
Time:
5:40
